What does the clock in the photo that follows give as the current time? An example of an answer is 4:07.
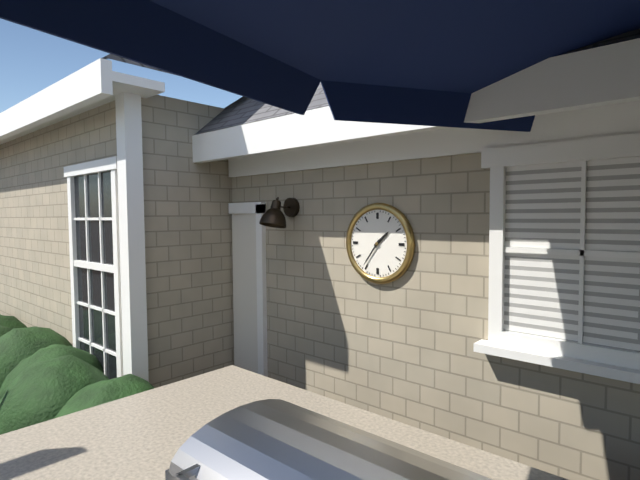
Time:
1:36
